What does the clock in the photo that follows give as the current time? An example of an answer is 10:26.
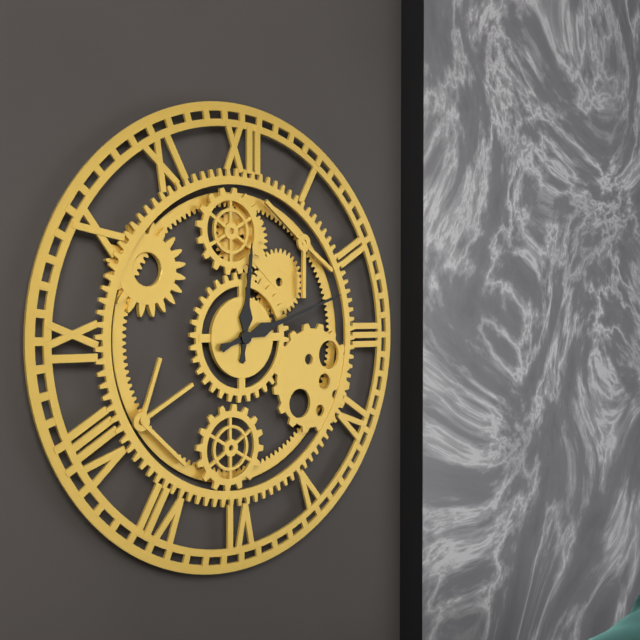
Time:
12:12
